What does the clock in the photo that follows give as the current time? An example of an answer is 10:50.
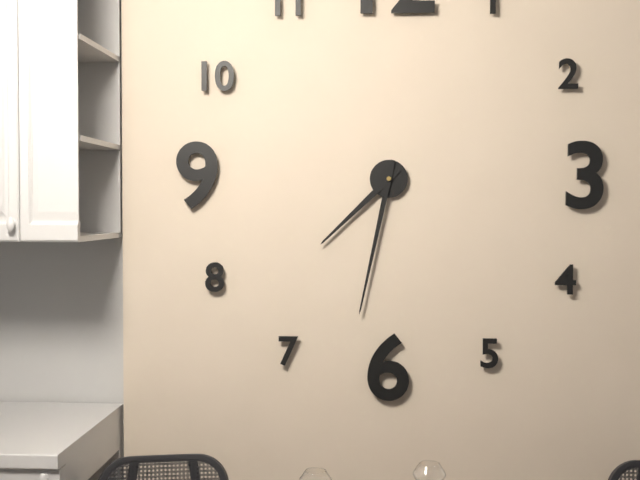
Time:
7:32
